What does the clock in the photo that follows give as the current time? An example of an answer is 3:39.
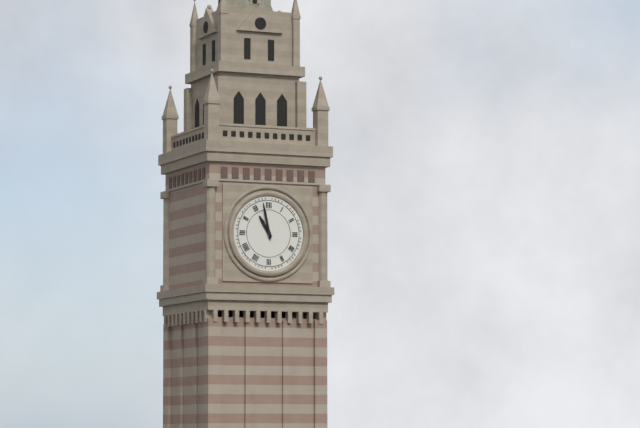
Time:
10:58
